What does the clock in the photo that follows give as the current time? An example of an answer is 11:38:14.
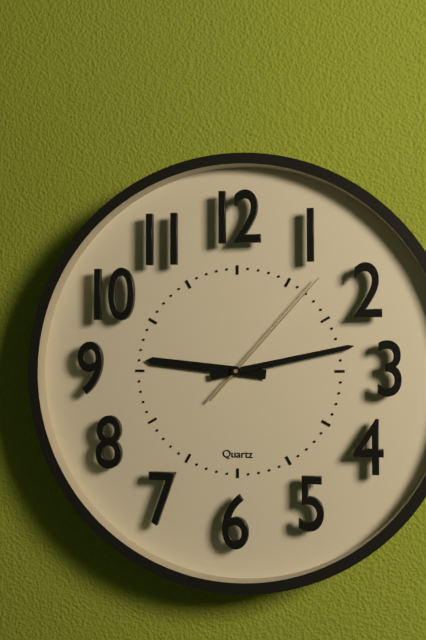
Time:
9:13:07
